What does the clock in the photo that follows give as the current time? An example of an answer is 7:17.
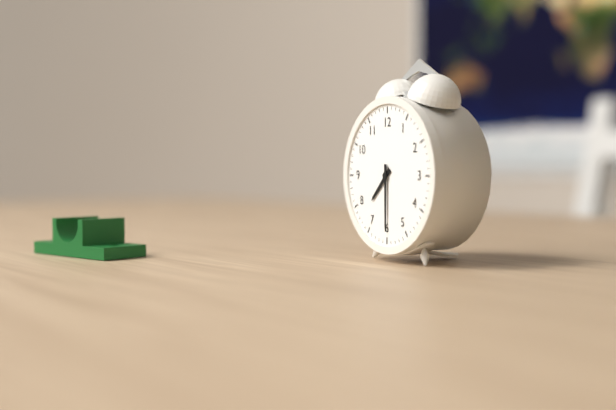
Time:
7:30
